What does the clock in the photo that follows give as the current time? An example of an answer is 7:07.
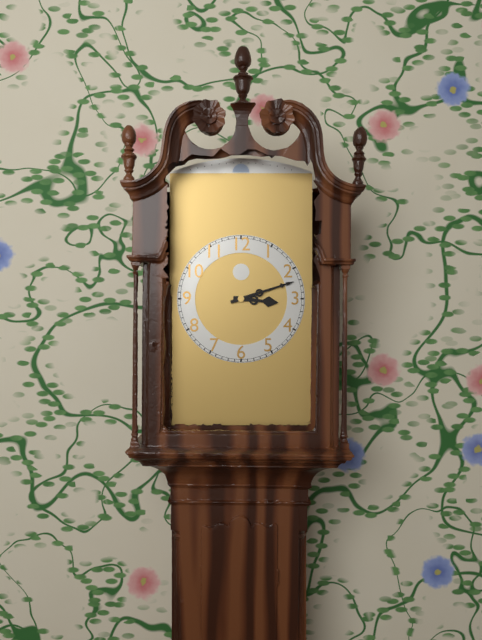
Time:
3:12
